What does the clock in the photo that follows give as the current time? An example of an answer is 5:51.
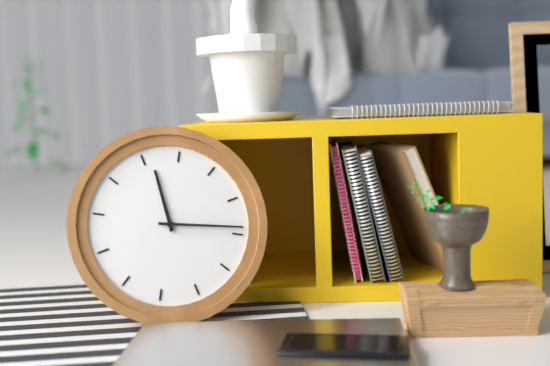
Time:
11:14
